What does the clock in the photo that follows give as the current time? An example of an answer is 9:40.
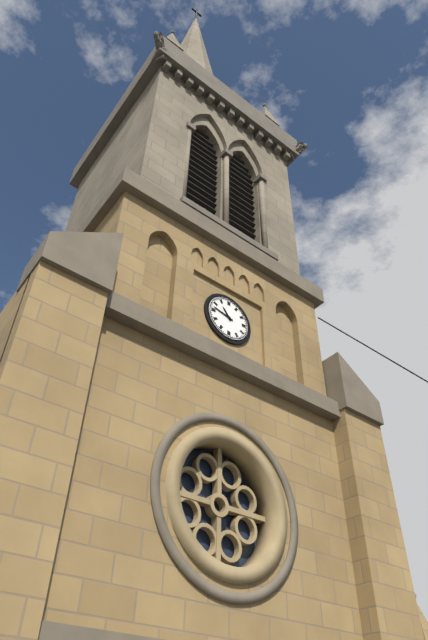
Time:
10:47
